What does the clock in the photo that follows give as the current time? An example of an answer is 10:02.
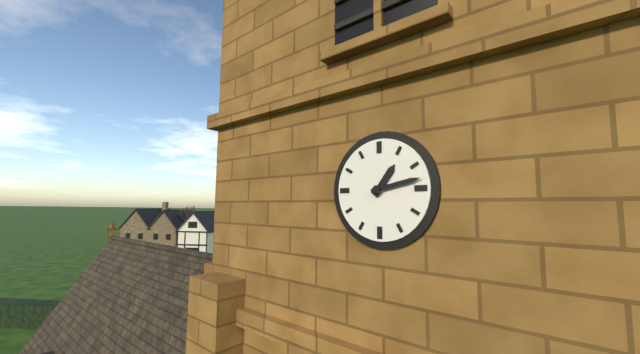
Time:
1:13
